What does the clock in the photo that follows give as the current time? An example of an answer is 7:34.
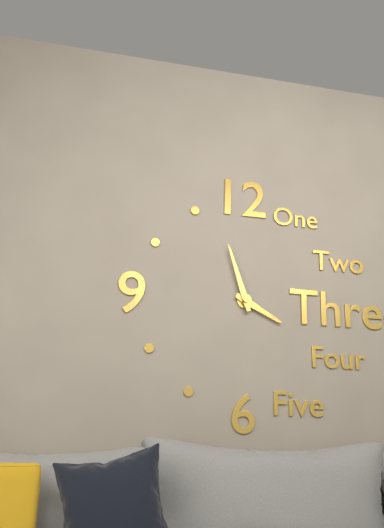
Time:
3:57
